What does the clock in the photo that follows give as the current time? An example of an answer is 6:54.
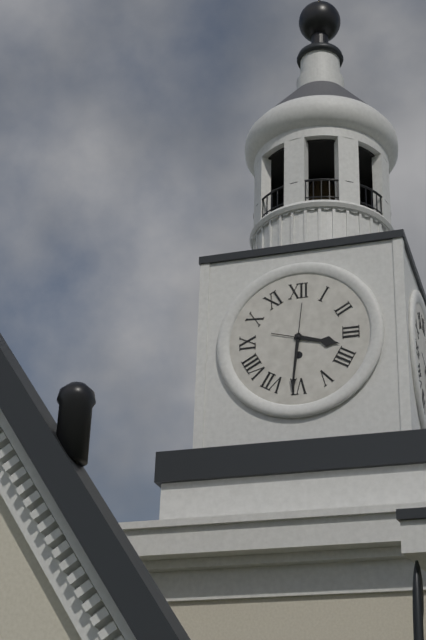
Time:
3:31
